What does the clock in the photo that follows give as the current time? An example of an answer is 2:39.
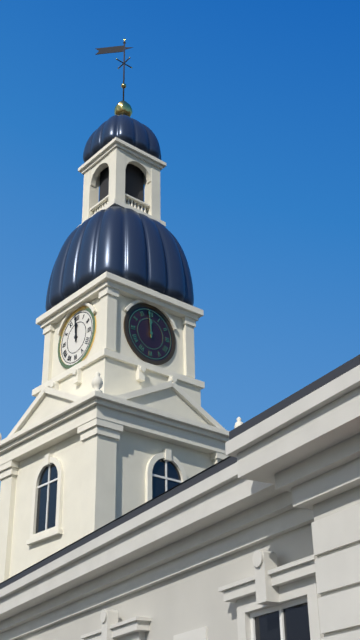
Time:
11:59
